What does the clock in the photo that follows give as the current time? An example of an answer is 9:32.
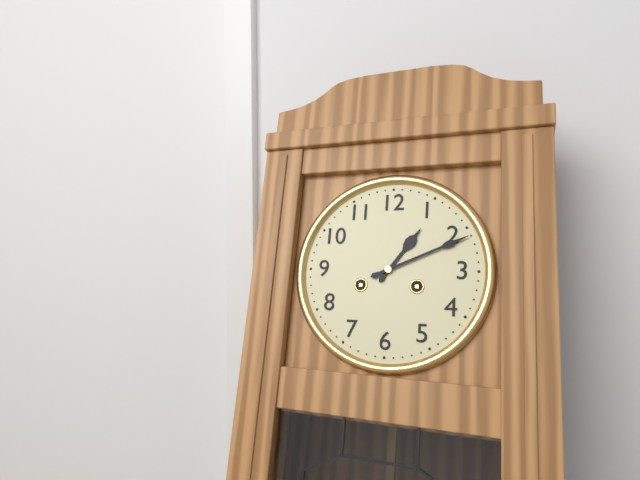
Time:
1:11
